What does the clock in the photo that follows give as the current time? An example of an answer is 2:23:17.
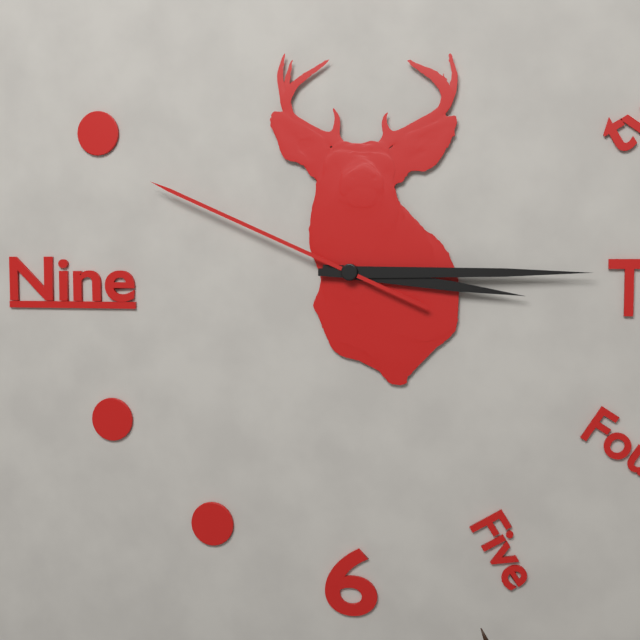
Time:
3:15:49
